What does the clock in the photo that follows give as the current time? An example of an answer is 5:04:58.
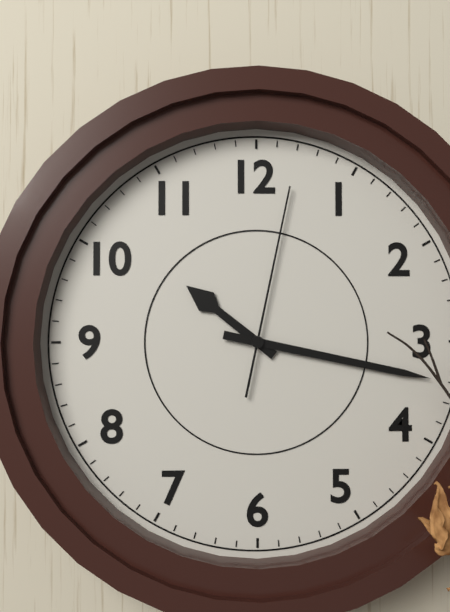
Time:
10:17:02
